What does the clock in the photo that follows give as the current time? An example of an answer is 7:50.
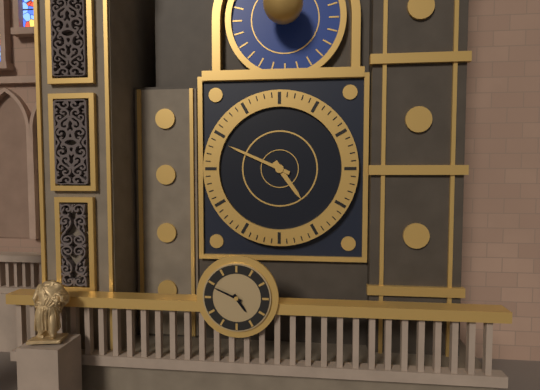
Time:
4:49
